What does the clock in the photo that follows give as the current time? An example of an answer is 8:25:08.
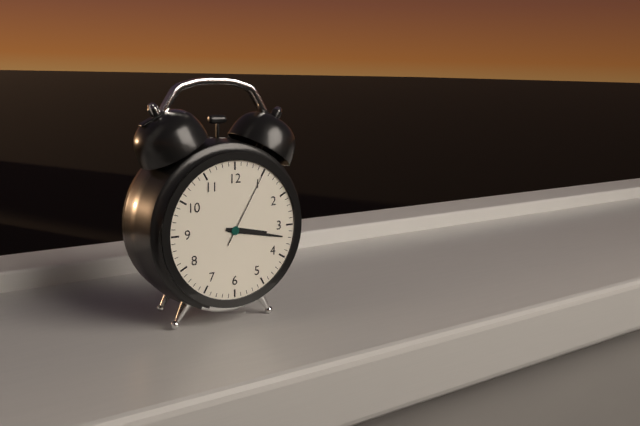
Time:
3:17:05
